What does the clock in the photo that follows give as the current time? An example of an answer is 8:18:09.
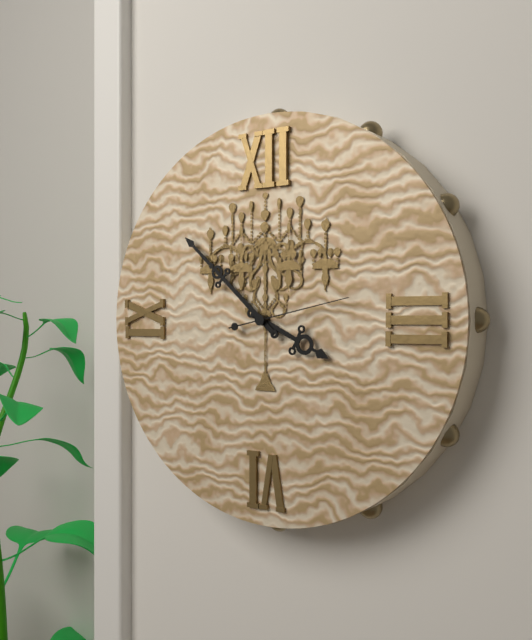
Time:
3:52:13
